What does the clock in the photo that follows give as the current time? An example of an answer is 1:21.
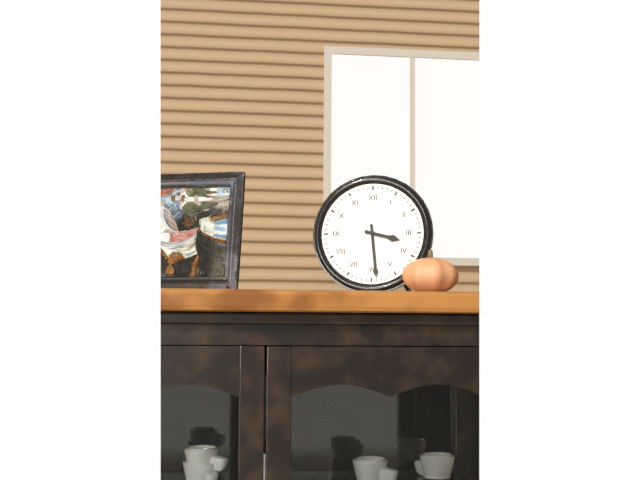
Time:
3:29
